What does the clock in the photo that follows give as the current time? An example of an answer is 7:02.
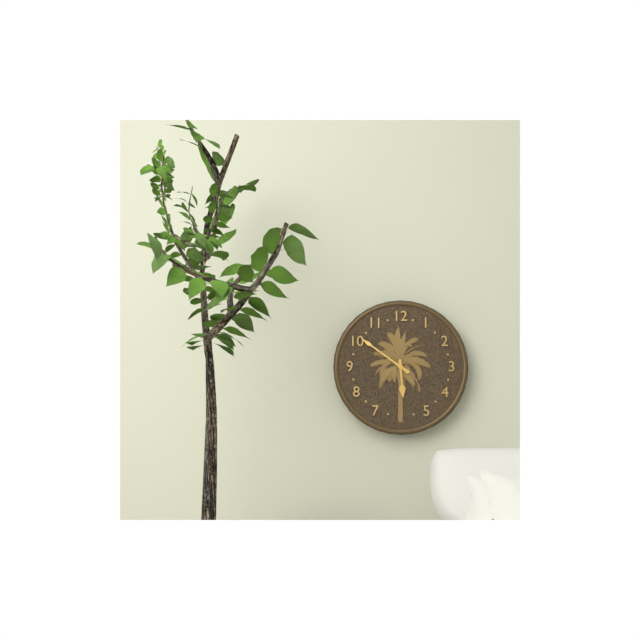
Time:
5:51
